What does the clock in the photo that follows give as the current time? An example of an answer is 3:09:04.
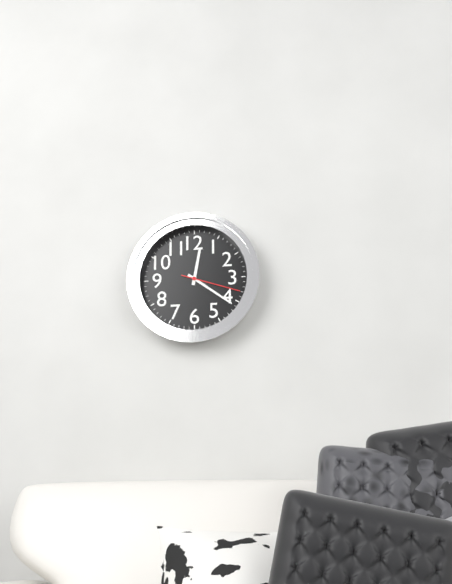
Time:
12:21:18
